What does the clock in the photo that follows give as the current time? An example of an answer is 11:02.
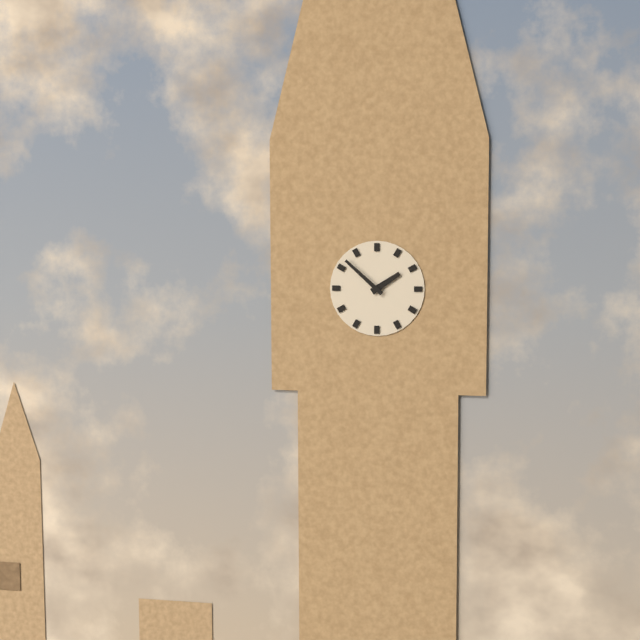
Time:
1:52
